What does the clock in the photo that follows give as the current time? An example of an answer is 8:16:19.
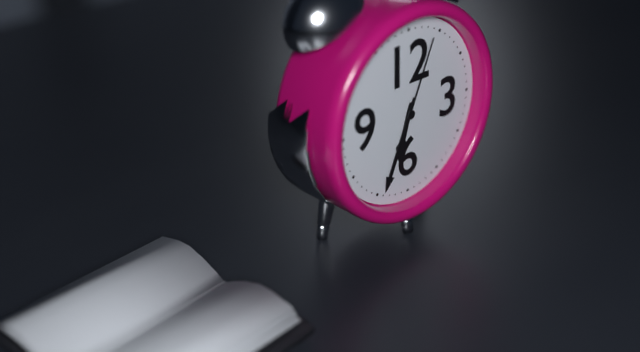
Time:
6:34:04
